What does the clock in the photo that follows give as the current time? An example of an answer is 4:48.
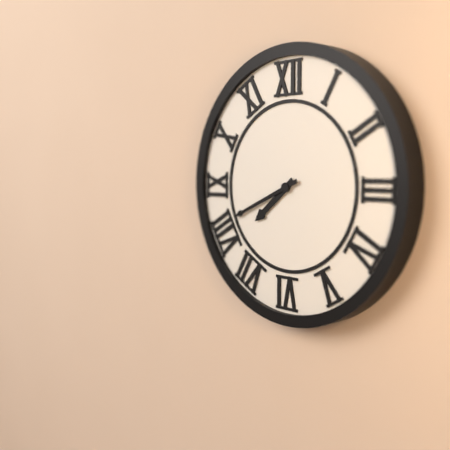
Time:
7:41
